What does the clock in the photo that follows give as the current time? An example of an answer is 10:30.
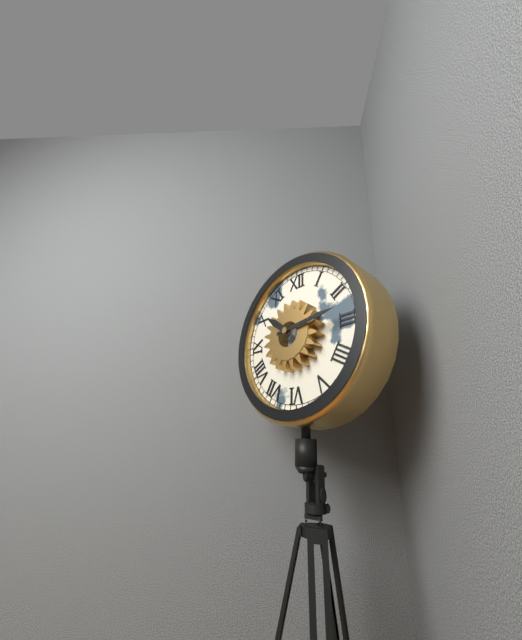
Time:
10:14
